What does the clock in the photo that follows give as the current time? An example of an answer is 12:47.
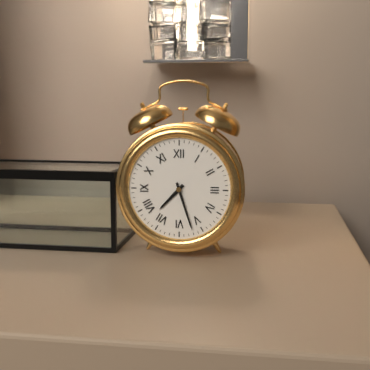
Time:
7:27
